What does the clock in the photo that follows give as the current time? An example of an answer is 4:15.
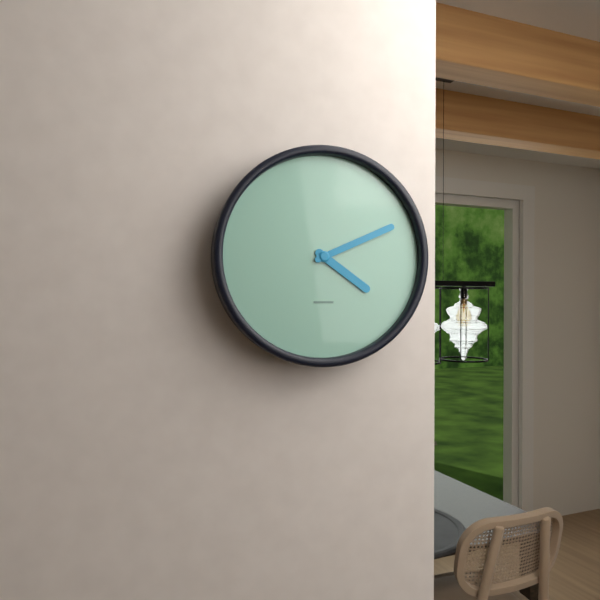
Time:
4:11
